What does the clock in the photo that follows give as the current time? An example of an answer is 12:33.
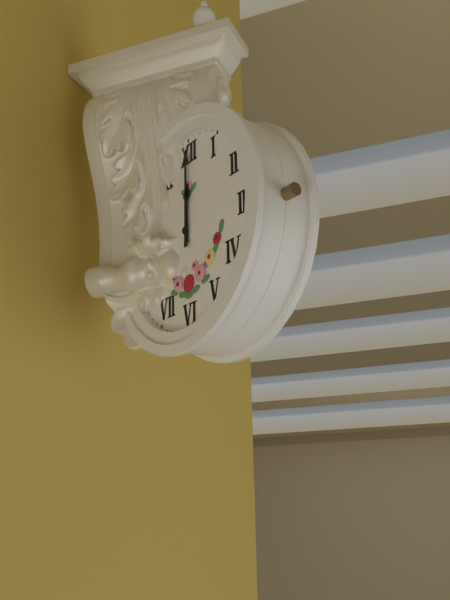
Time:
12:00
